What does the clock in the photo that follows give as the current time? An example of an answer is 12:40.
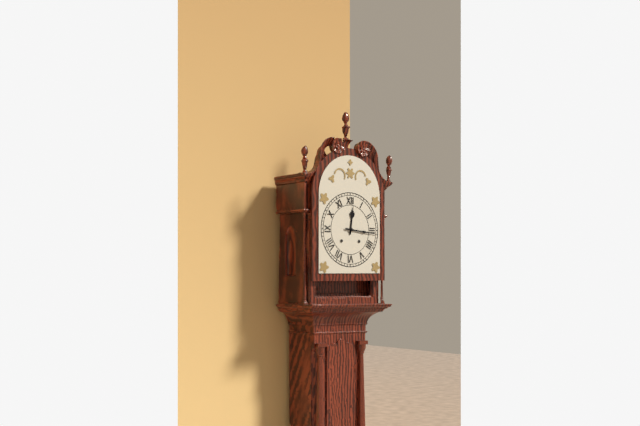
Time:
12:16
